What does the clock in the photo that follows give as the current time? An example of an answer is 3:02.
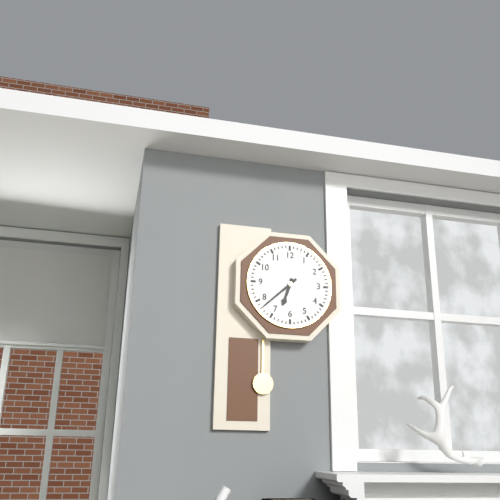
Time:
6:38
